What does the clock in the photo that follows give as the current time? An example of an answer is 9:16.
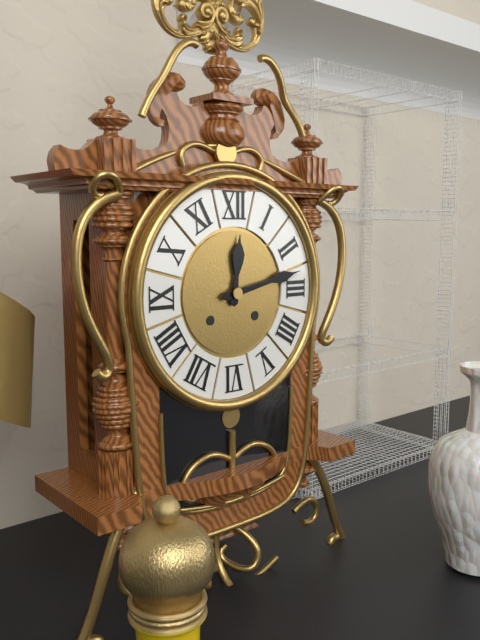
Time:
12:13
